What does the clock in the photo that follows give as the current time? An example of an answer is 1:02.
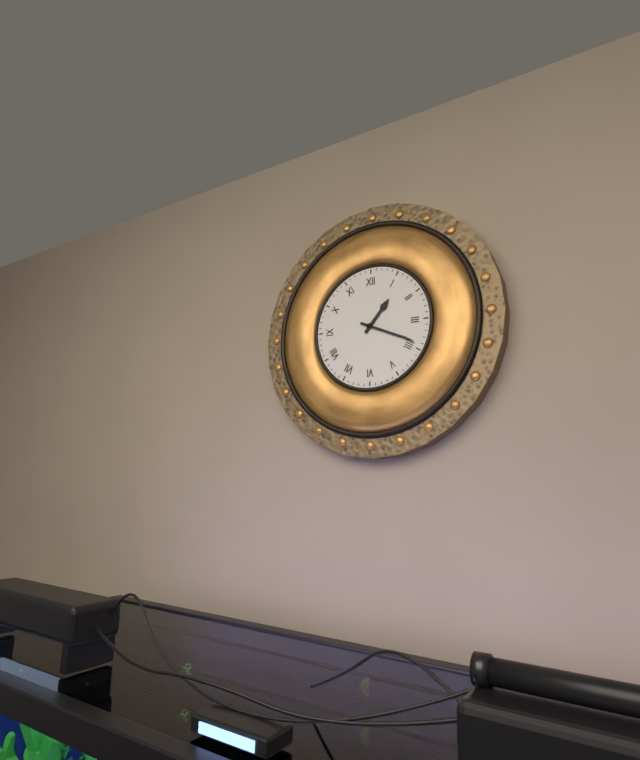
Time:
1:19
